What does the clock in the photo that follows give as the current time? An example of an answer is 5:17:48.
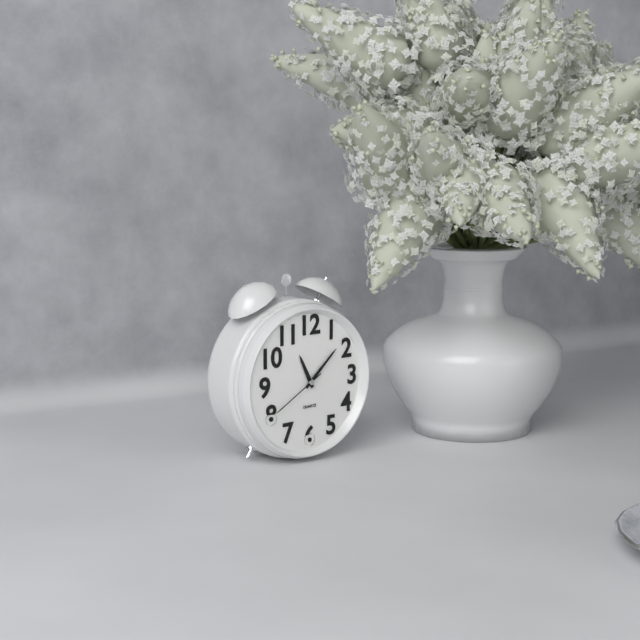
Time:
11:08:40
